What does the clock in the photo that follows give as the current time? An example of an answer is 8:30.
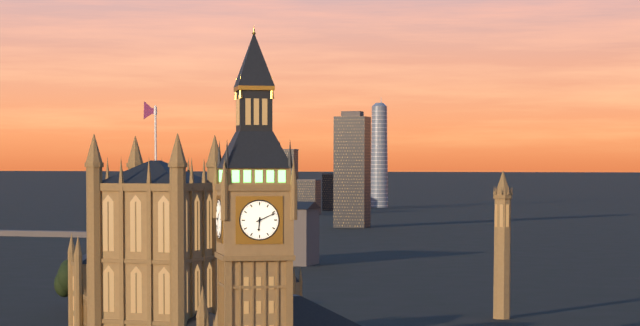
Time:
6:11
